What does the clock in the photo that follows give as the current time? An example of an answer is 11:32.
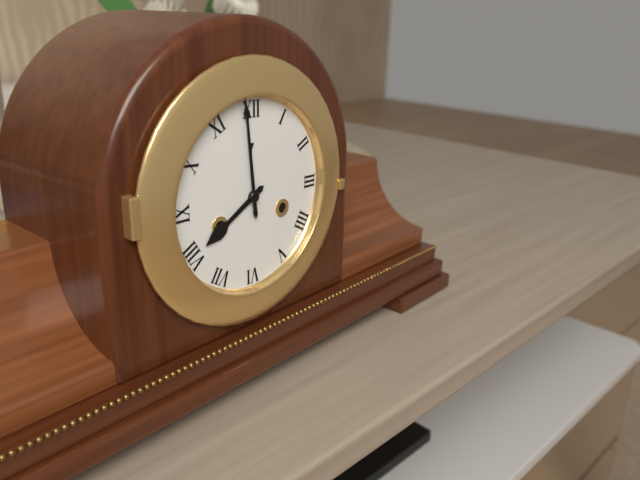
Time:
7:59
